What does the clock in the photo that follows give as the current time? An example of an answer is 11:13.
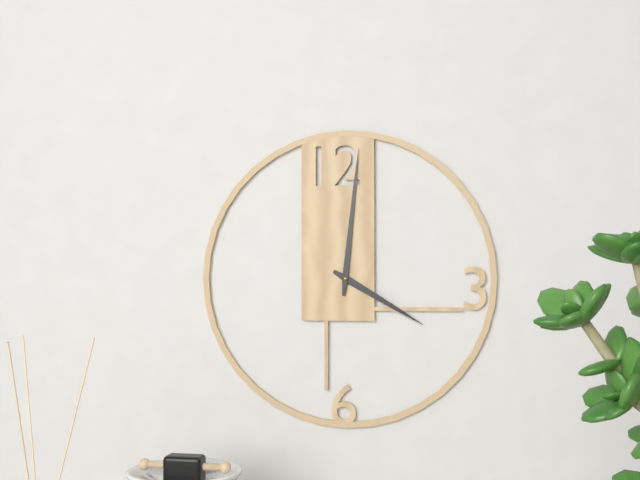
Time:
4:01
